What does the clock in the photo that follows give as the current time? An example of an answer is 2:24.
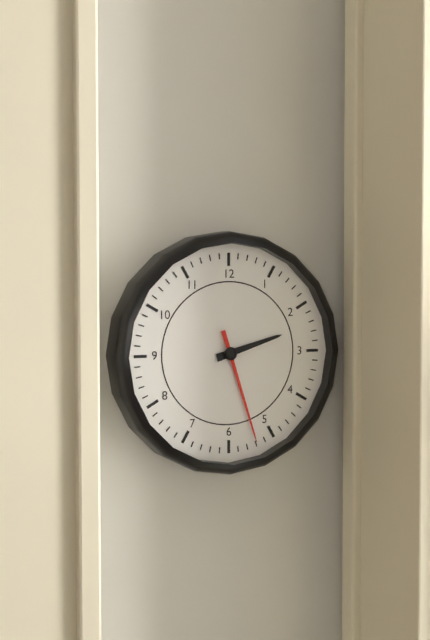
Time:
2:27
